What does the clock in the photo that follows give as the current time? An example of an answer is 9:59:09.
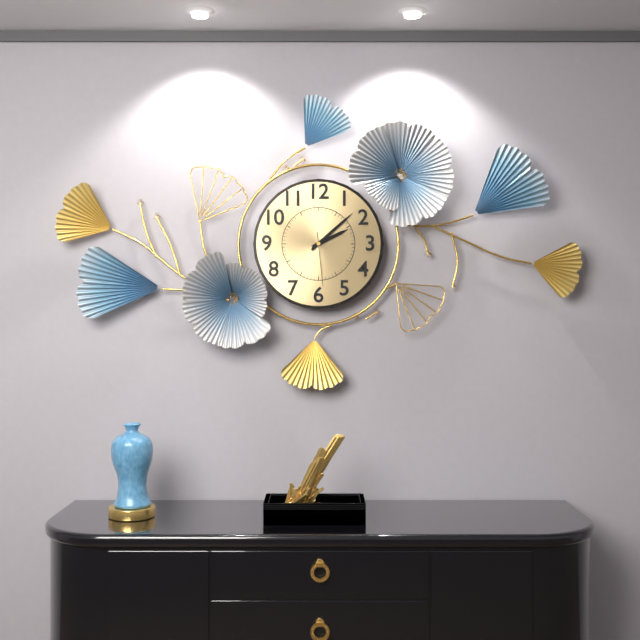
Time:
2:08:29
